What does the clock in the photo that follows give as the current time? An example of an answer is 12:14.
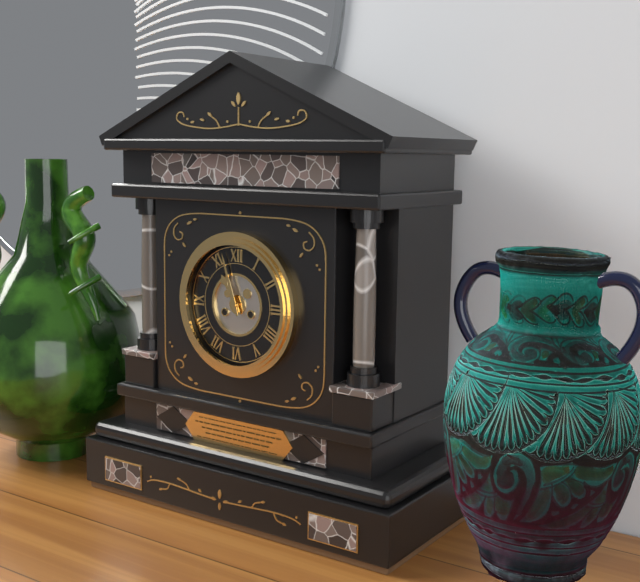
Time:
10:57
